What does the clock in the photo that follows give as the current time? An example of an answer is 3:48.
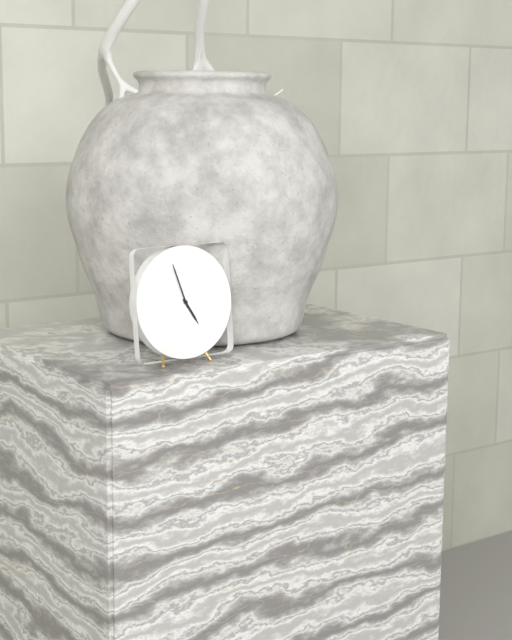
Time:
4:57
